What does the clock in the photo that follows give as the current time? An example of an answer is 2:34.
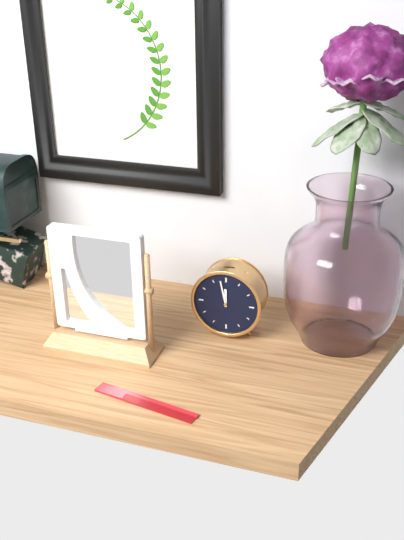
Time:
11:58
